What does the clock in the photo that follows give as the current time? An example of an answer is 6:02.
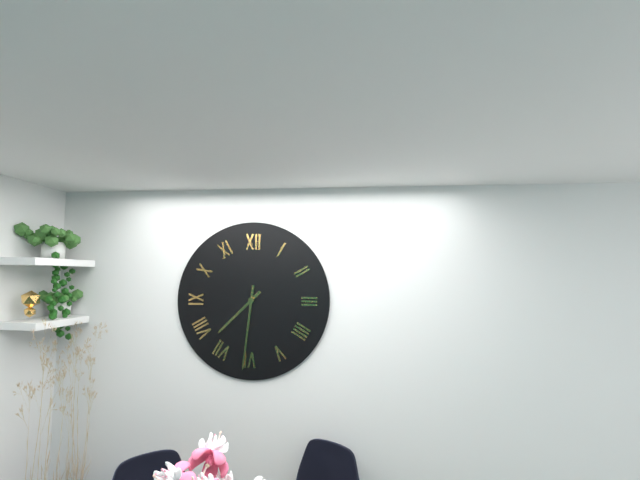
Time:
7:31
